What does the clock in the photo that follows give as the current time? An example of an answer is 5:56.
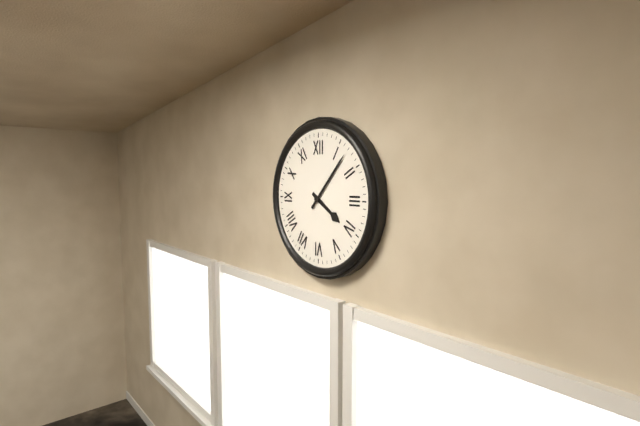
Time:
4:07
